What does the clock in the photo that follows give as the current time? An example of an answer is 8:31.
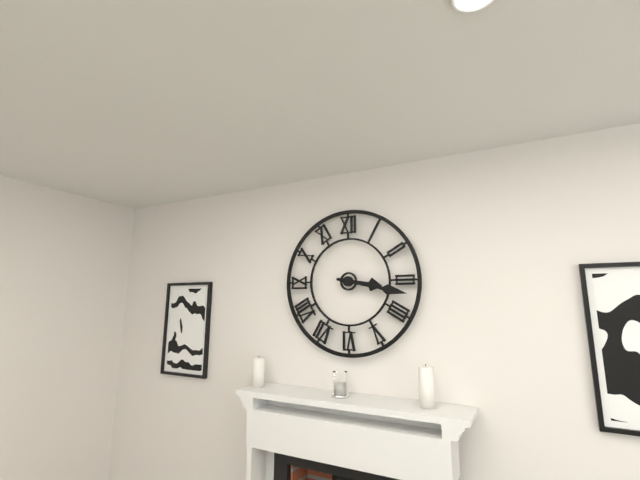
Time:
3:17
